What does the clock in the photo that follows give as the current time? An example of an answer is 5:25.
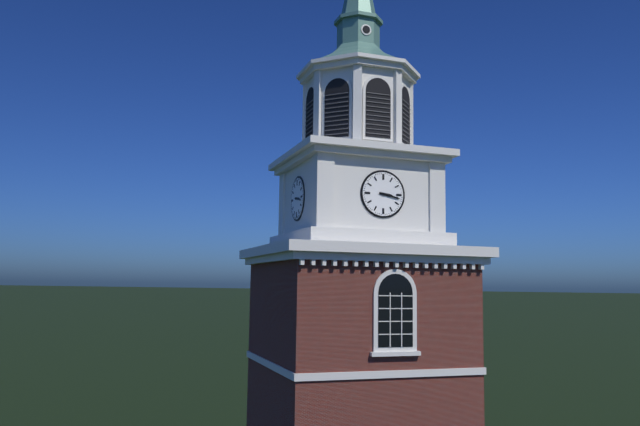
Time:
3:17
